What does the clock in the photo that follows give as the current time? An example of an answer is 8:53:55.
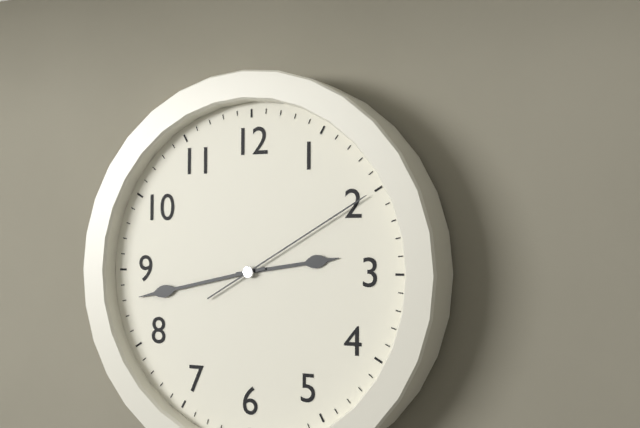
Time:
2:43:10
